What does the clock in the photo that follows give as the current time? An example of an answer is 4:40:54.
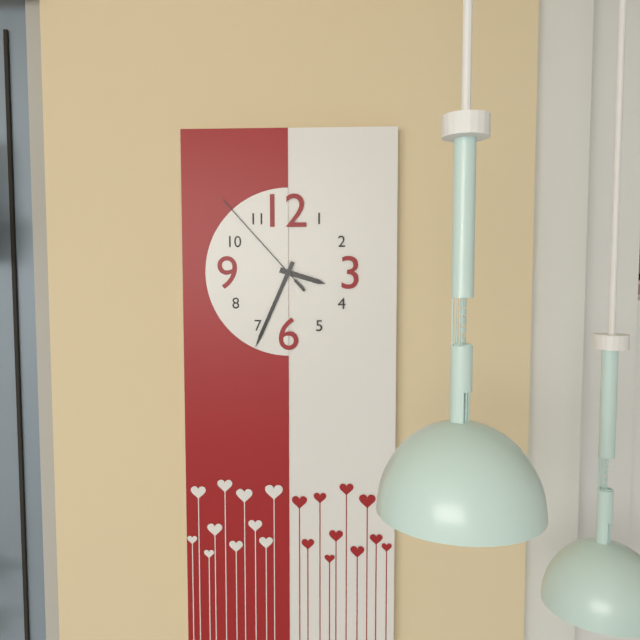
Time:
3:34:53
